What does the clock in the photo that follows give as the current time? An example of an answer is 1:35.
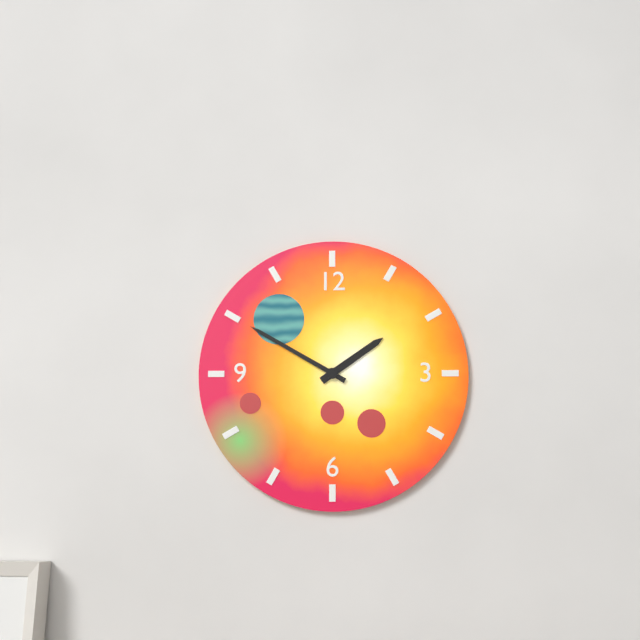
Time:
1:50
